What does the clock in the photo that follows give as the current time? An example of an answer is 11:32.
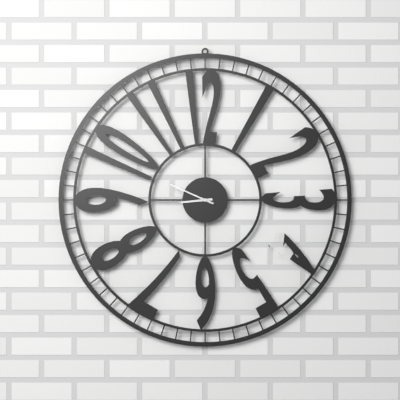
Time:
8:49
